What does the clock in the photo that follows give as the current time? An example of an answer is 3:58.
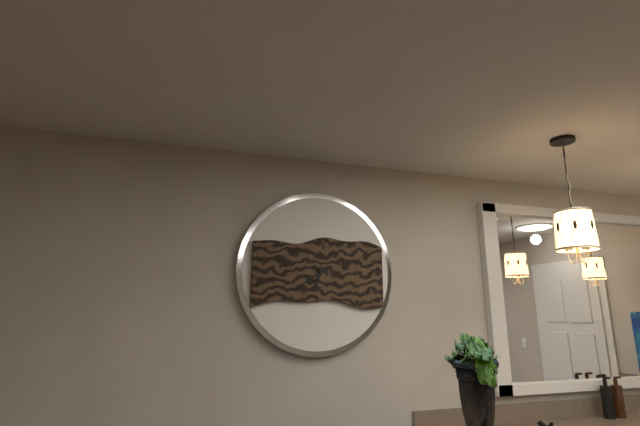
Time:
6:39
